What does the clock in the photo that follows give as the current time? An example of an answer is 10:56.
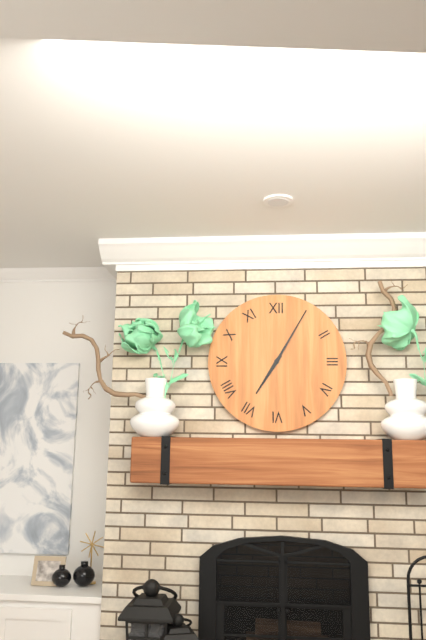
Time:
7:05
